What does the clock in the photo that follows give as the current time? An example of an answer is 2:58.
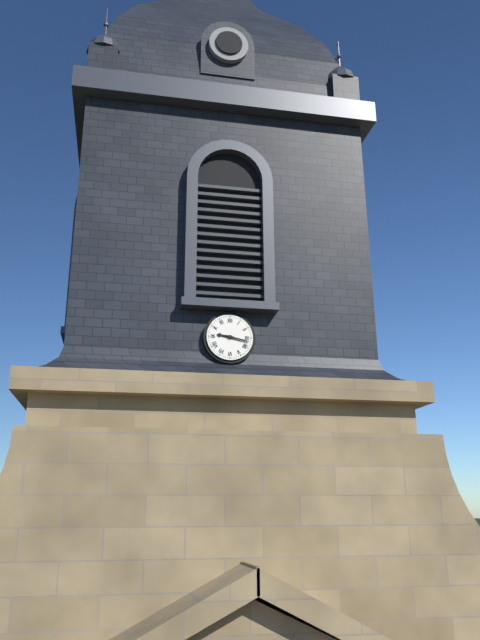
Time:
9:17
